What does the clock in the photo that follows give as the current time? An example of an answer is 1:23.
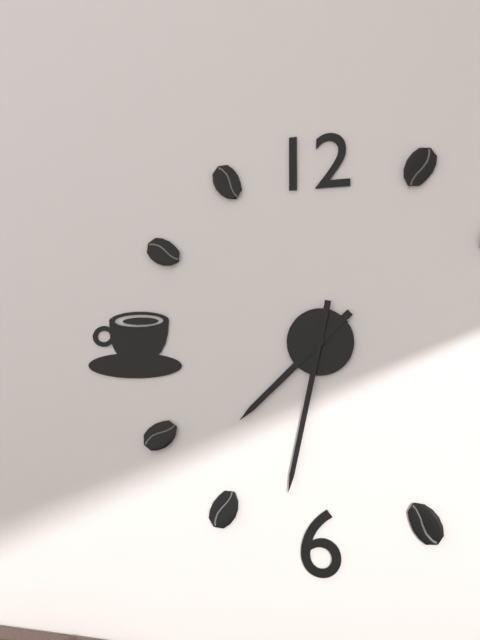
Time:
7:32
